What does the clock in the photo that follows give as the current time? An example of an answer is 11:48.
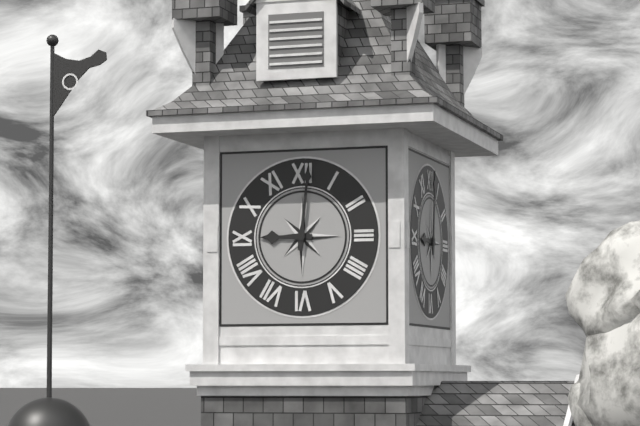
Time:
9:01
